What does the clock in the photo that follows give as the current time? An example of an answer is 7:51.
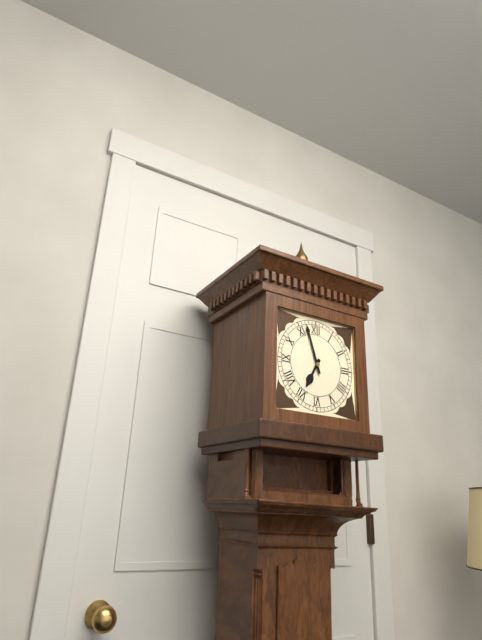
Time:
6:57
